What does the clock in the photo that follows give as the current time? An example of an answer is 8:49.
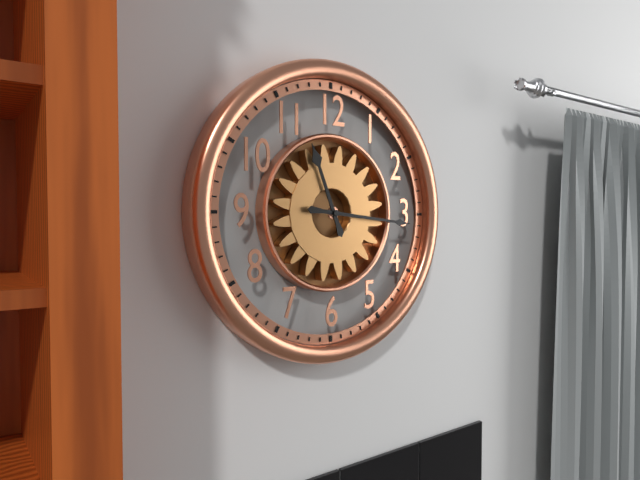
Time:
11:16
